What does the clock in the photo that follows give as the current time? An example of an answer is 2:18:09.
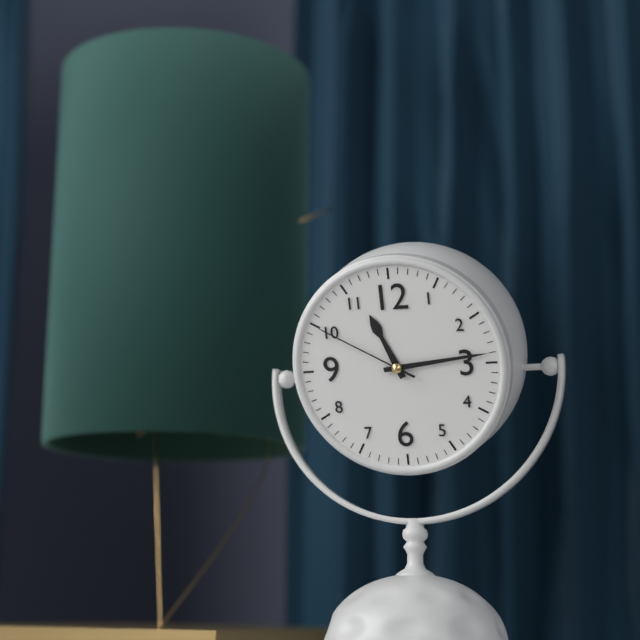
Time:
11:14:50
